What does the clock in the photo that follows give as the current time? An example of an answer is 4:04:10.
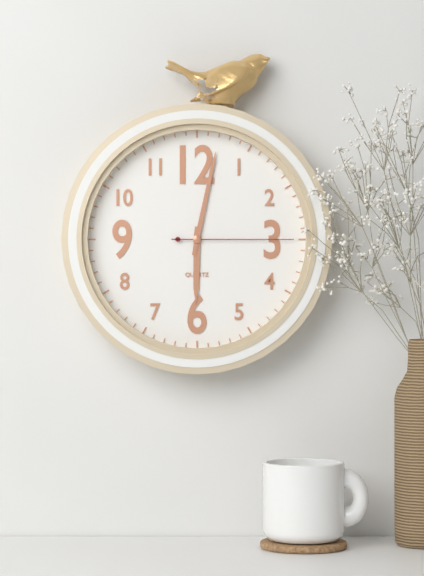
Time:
6:02:15
